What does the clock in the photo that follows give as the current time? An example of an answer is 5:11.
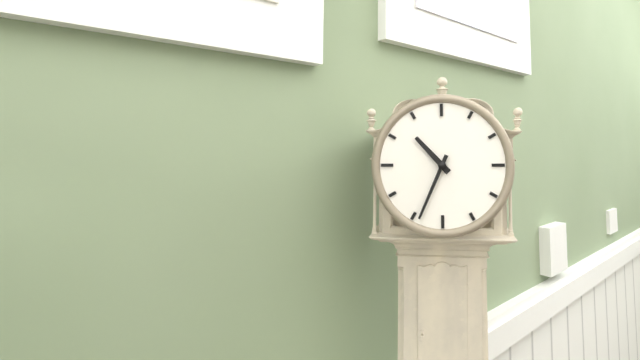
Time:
10:34
